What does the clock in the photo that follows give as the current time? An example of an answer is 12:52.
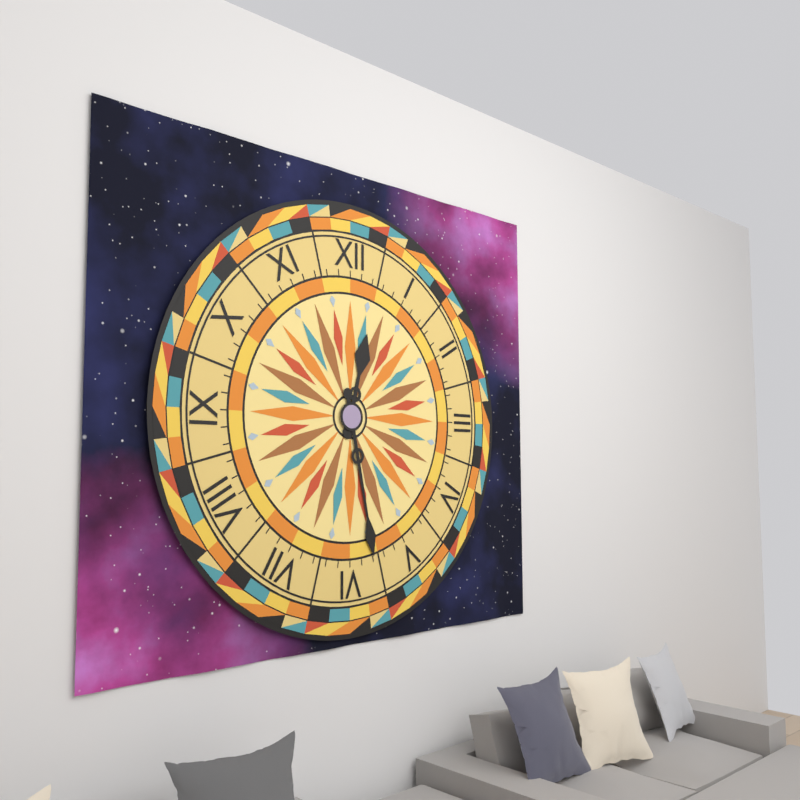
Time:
12:28
